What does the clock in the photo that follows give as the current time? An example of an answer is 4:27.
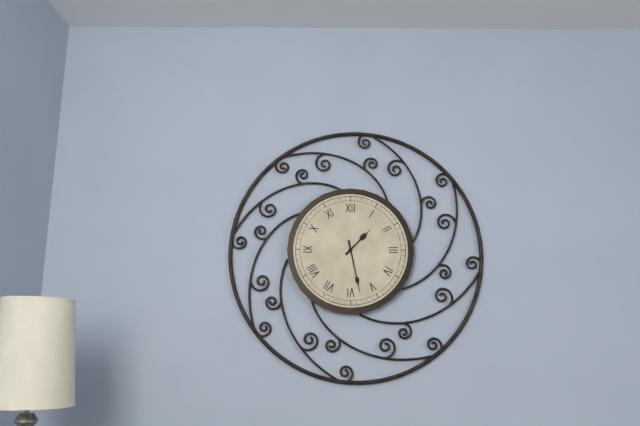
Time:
1:28
